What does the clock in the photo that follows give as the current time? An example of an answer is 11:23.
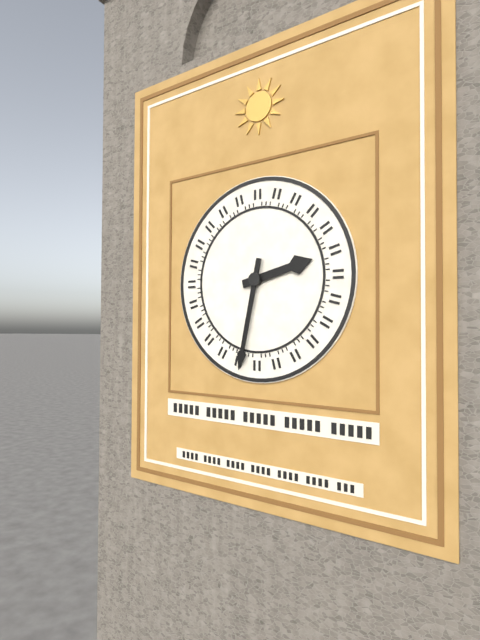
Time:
2:32
